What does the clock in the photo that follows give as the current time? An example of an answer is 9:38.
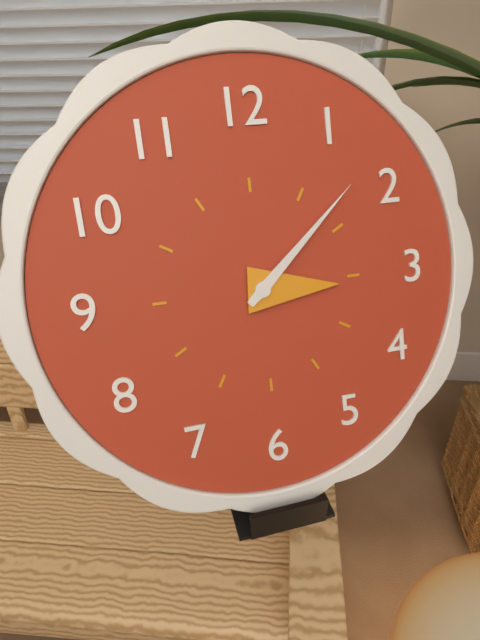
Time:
3:08
